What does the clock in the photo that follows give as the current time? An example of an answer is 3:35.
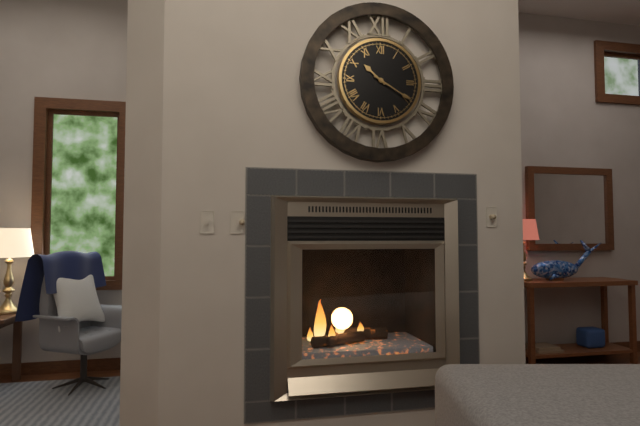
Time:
10:20
